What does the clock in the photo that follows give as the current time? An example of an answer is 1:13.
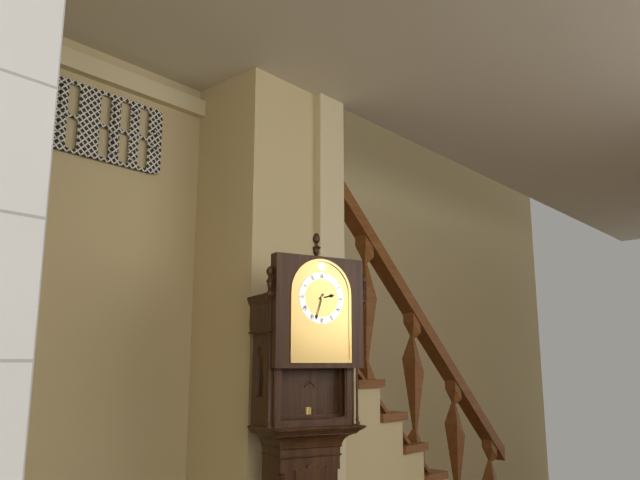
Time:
2:33
